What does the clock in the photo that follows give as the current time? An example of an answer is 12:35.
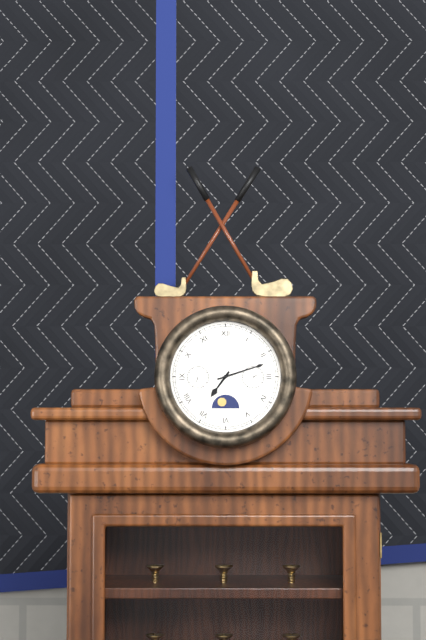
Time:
7:12
